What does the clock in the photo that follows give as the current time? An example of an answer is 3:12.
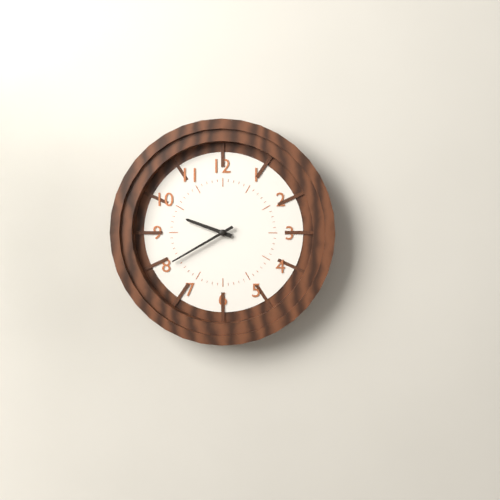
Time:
9:40
